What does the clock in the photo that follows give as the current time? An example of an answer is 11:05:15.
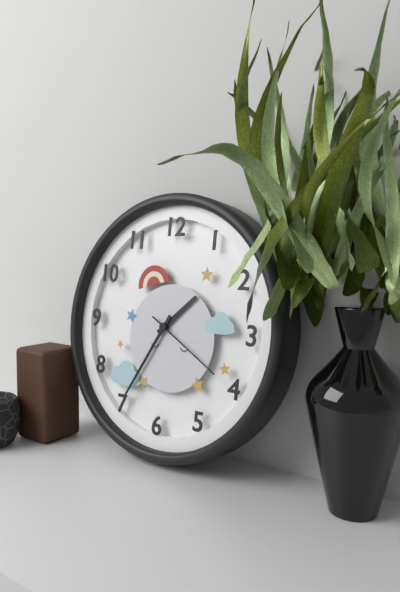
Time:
1:35:20
